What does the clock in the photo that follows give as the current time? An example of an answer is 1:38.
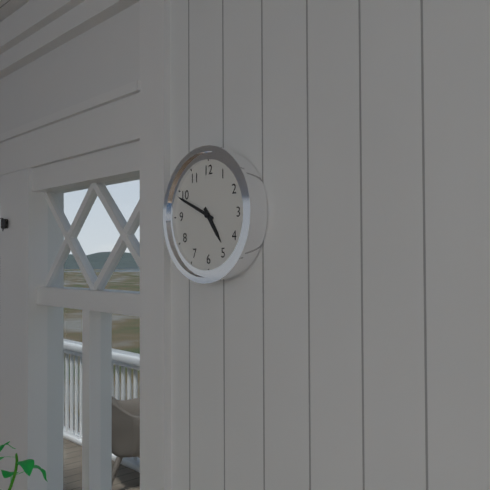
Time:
4:49
